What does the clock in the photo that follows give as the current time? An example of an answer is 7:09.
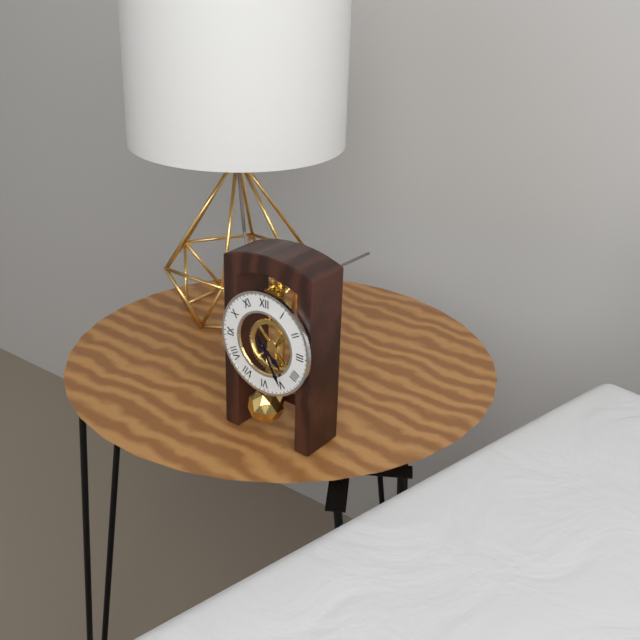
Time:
4:25
